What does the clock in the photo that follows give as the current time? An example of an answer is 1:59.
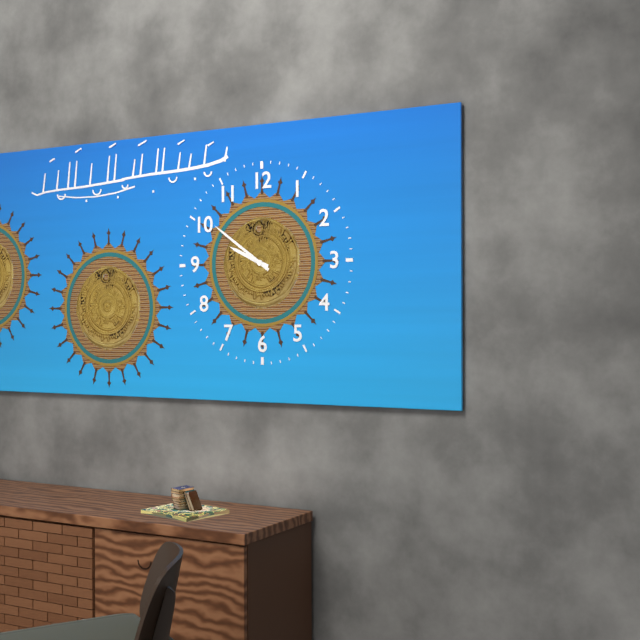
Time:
9:51
